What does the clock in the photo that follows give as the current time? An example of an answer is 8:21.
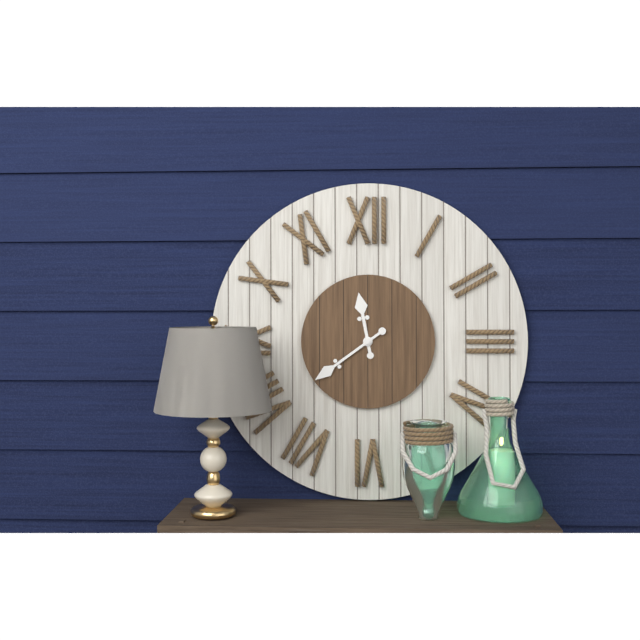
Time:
11:39
